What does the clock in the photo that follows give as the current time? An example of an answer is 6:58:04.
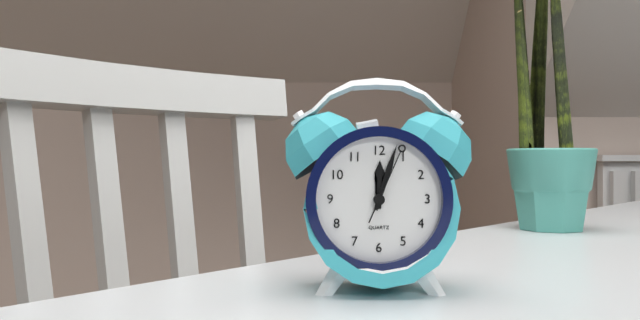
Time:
12:03:04
